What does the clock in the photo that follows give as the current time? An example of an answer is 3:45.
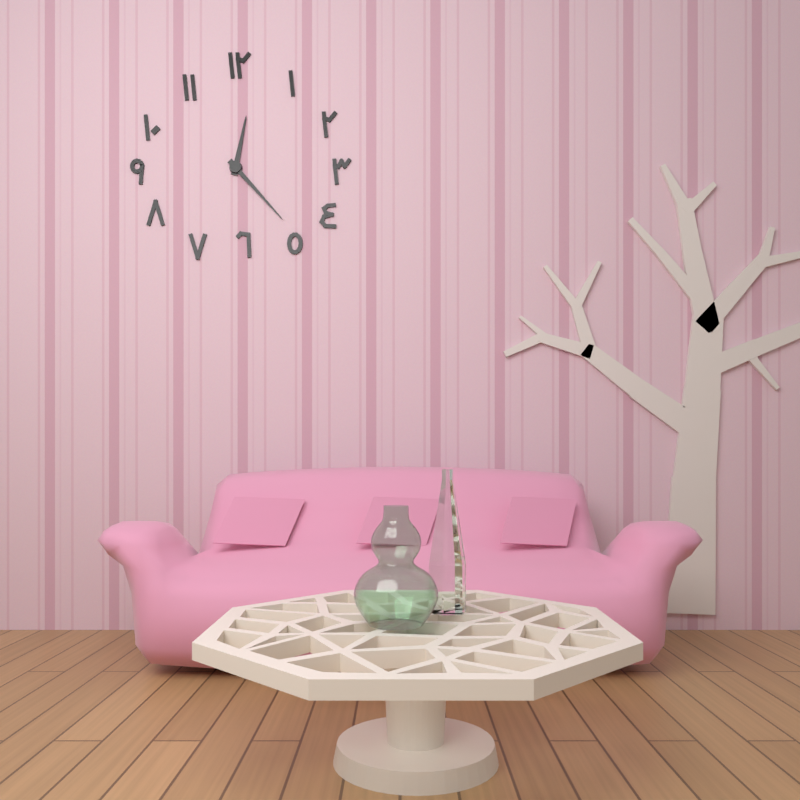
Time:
12:23
